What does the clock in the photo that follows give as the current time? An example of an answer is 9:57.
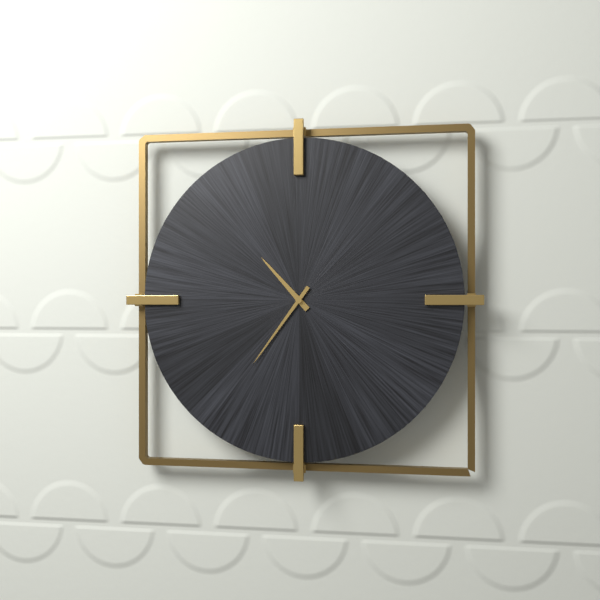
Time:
10:36
